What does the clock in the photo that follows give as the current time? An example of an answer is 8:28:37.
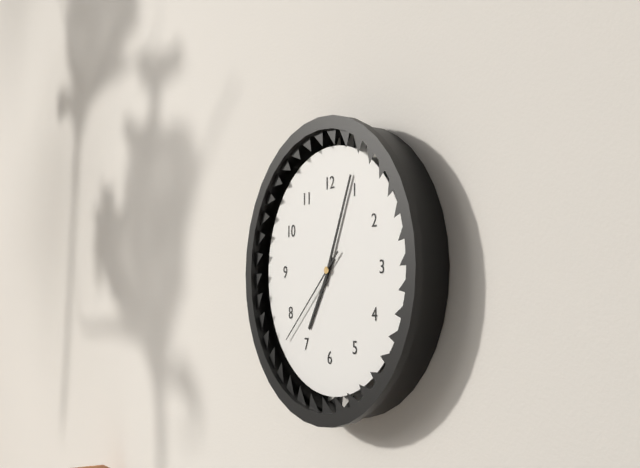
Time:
7:04:38
